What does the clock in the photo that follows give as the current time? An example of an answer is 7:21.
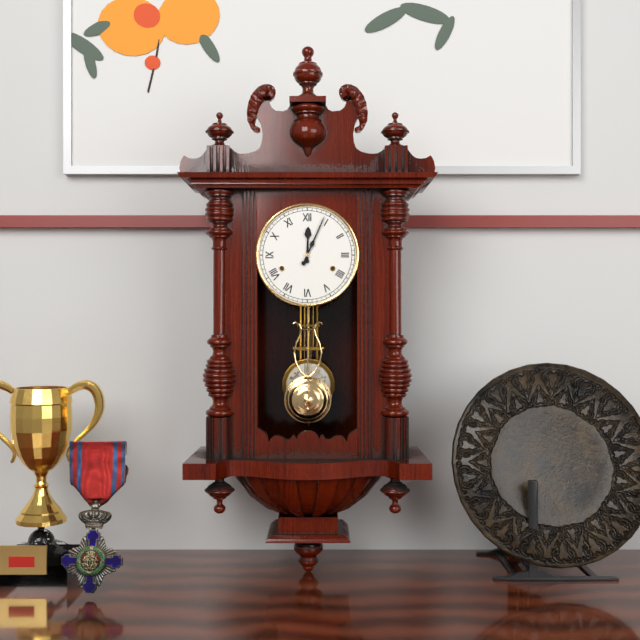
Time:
12:04
